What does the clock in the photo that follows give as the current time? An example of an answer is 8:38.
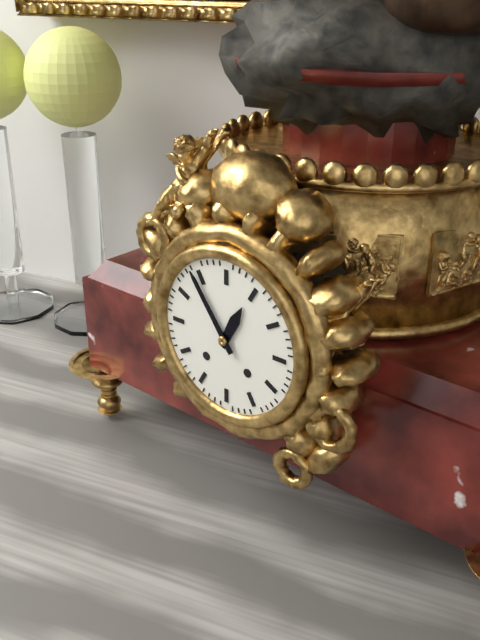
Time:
12:54
